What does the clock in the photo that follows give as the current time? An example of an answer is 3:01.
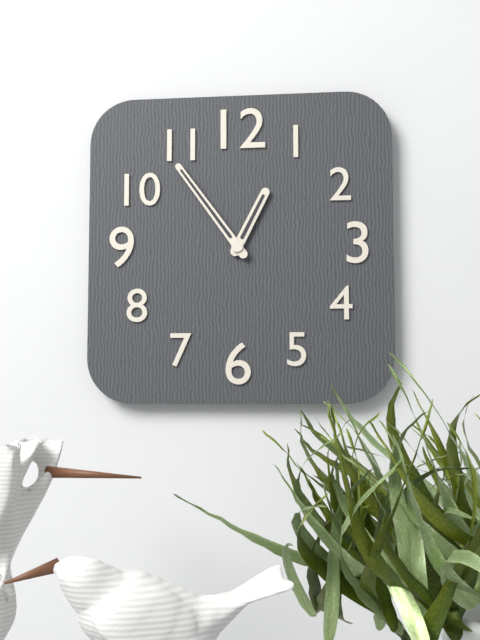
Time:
12:54
